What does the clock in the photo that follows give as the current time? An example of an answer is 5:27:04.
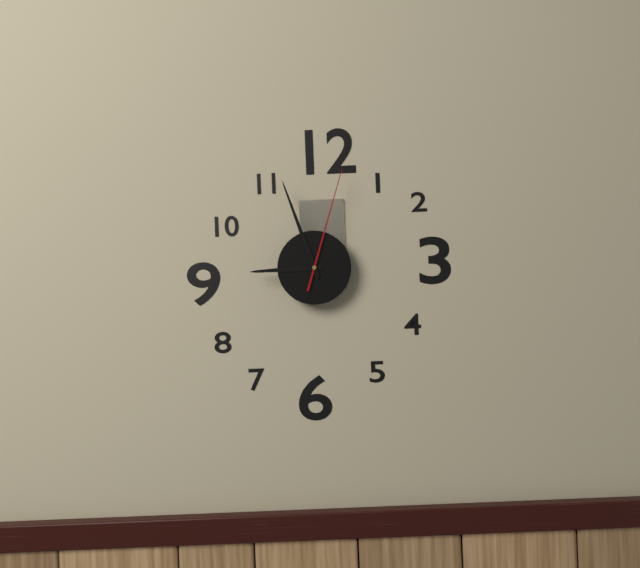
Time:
8:57:03
